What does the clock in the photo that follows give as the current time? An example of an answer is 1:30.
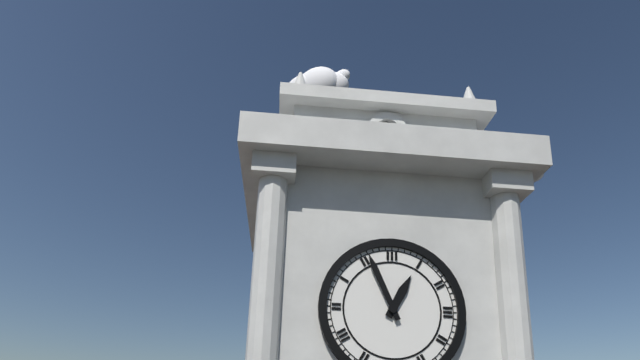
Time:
12:56
